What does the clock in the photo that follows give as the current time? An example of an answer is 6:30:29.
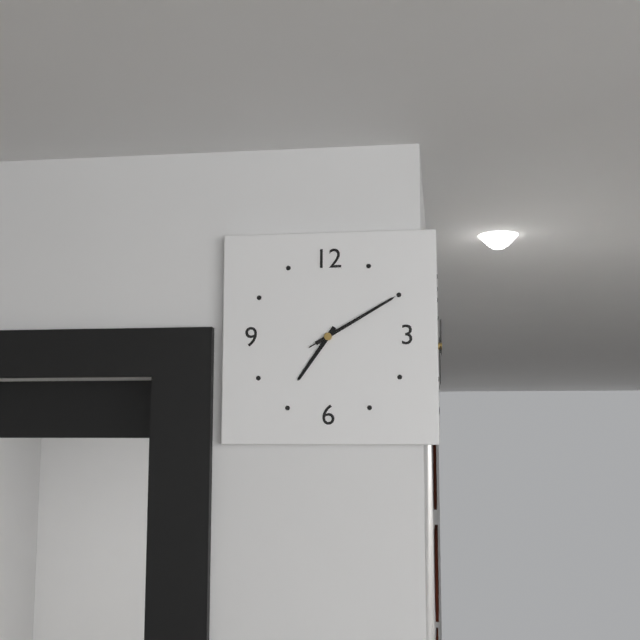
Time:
7:10:10
